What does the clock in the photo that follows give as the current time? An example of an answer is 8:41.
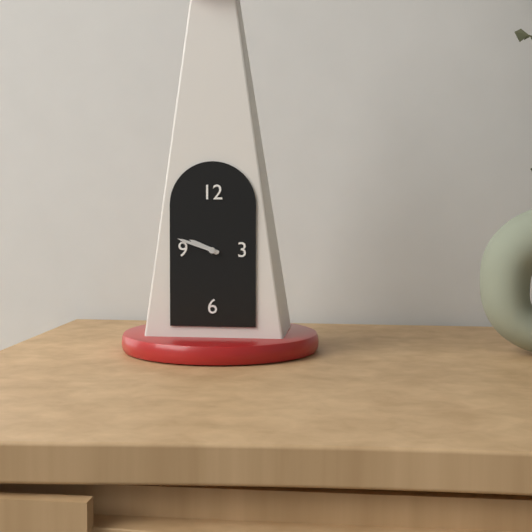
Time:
9:48
